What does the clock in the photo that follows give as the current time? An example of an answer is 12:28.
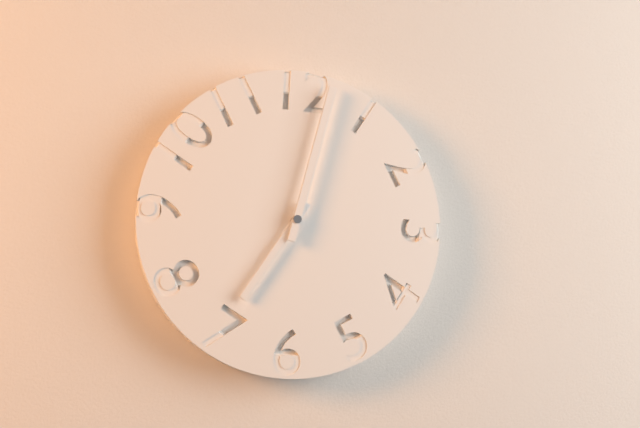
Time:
7:02
